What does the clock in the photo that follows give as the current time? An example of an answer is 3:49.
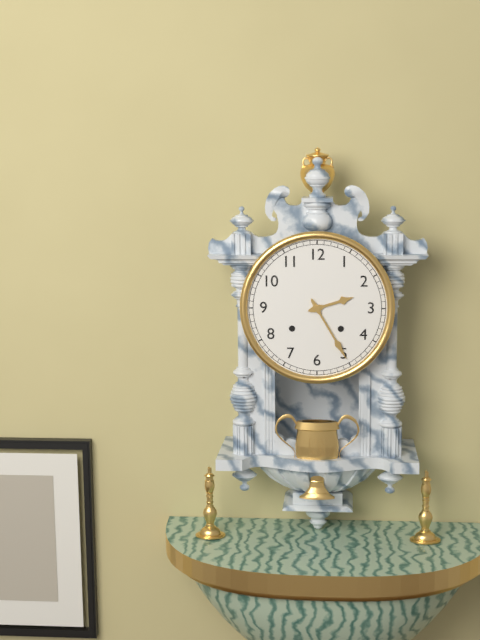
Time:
2:25
